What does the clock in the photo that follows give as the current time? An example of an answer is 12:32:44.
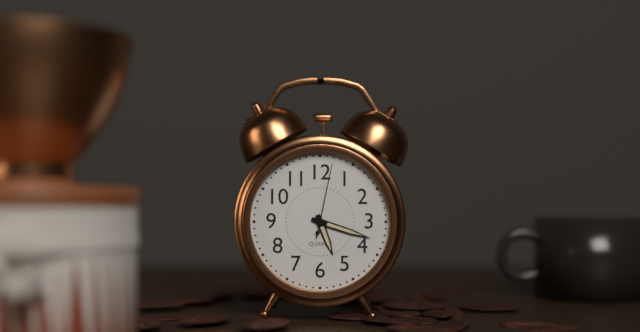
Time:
5:18:02
